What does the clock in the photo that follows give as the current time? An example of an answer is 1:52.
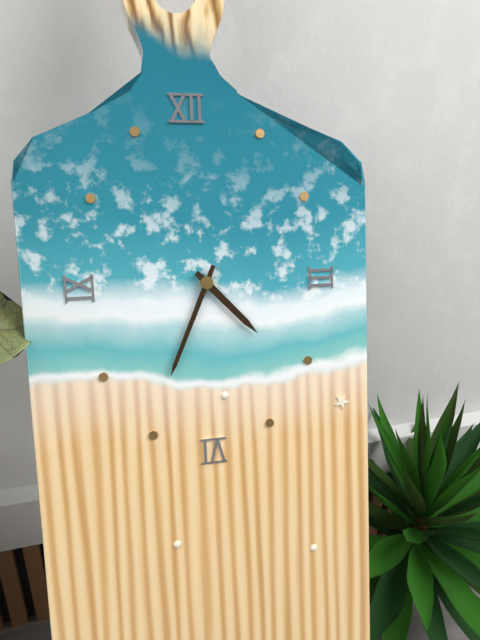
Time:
4:34
